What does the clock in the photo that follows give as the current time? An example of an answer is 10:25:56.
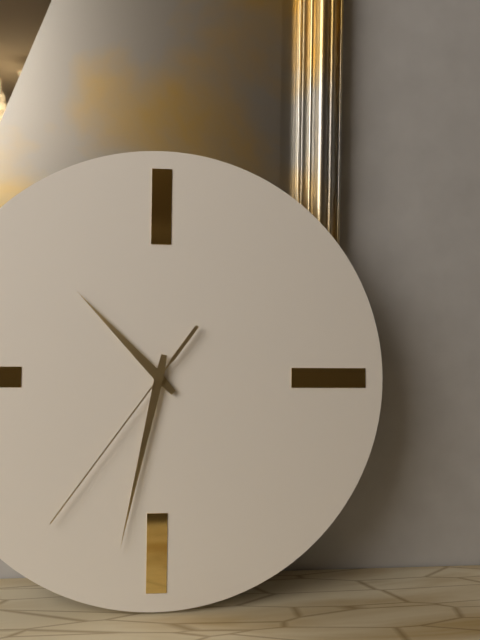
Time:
10:32:36
